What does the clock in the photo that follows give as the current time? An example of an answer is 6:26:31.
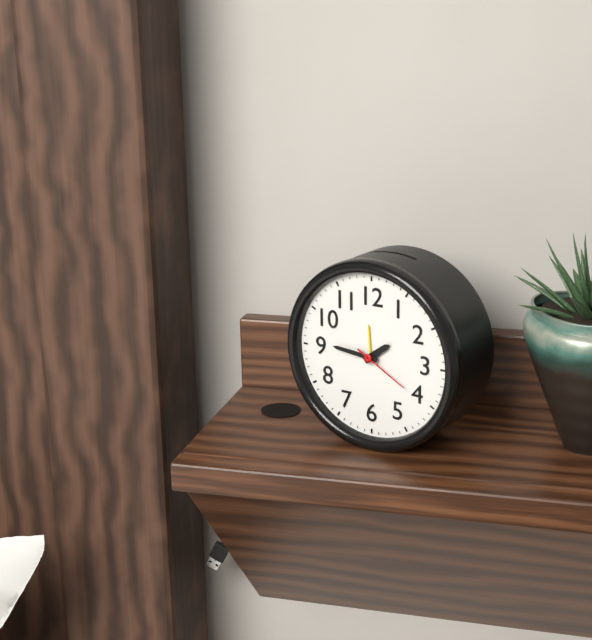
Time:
1:46:20
